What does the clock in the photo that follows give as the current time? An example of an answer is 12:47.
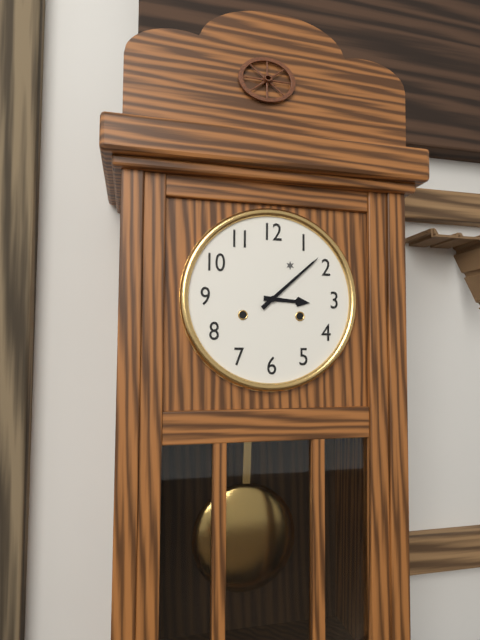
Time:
3:08
